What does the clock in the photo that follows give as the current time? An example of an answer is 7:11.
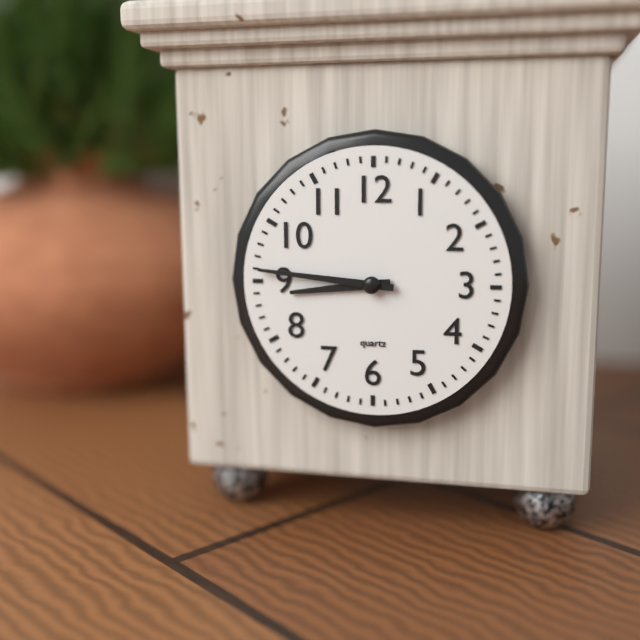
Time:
8:46
